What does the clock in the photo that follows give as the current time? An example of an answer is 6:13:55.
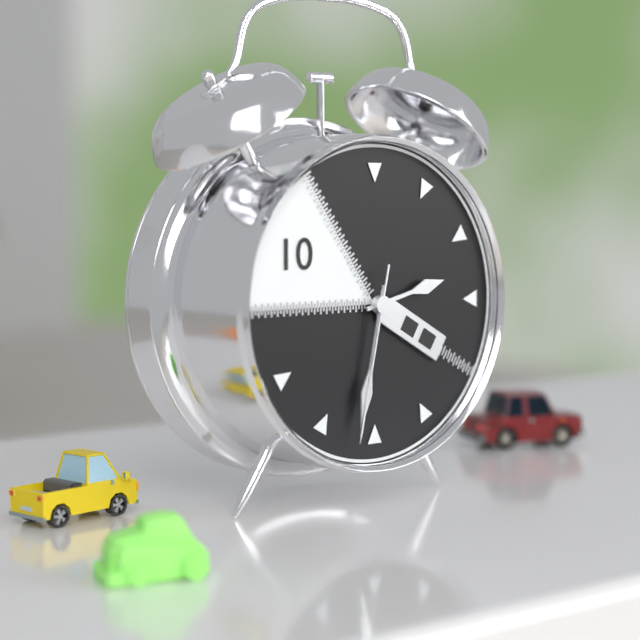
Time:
2:32:32
